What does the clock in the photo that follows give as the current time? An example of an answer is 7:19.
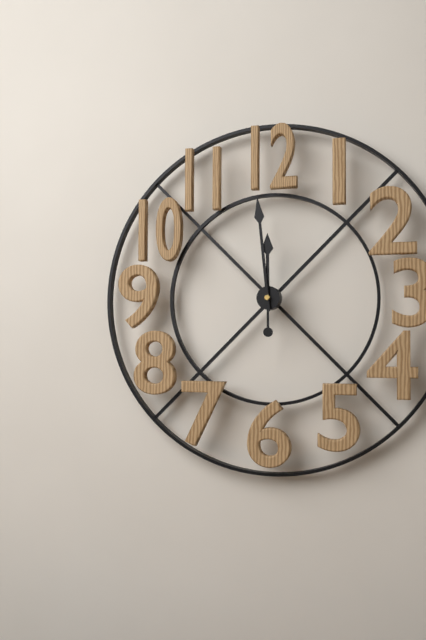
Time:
11:59
